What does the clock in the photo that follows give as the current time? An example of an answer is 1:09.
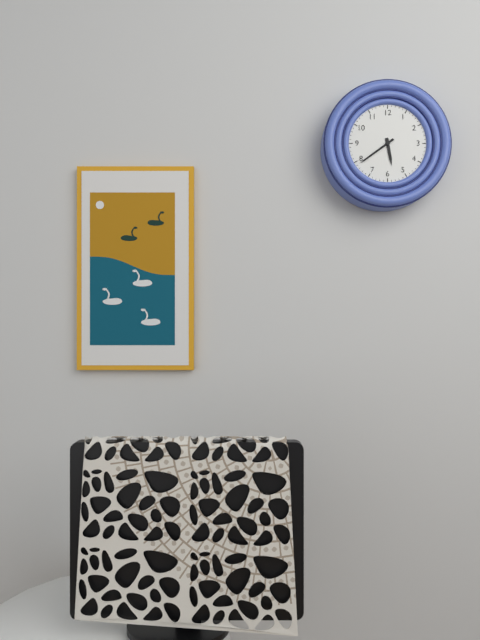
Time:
5:39
